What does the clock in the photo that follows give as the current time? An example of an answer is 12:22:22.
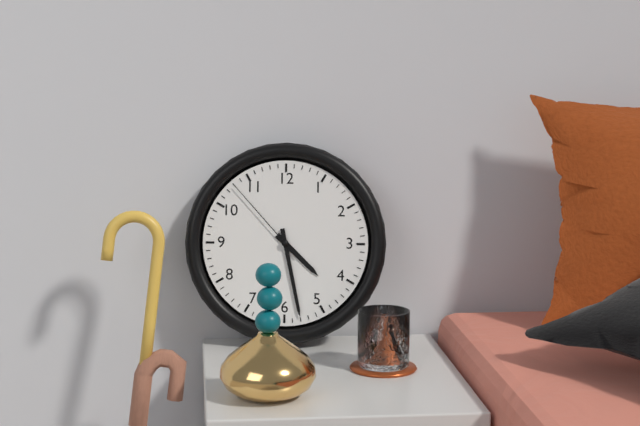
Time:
4:28:53
